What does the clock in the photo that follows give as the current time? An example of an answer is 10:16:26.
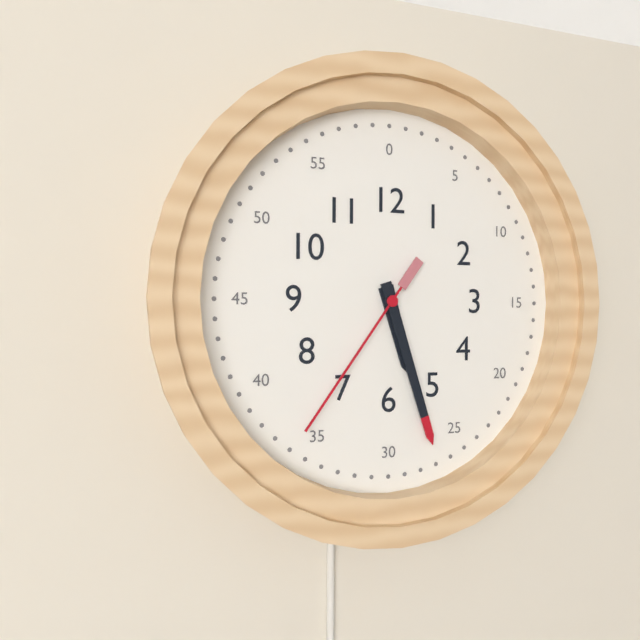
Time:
5:27:36
